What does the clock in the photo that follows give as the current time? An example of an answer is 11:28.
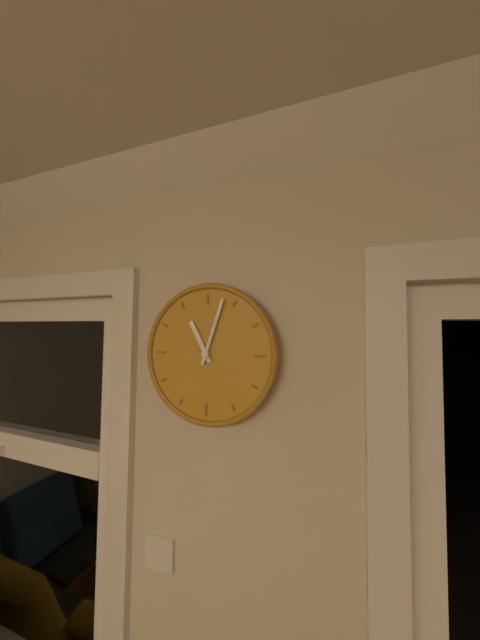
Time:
11:03
